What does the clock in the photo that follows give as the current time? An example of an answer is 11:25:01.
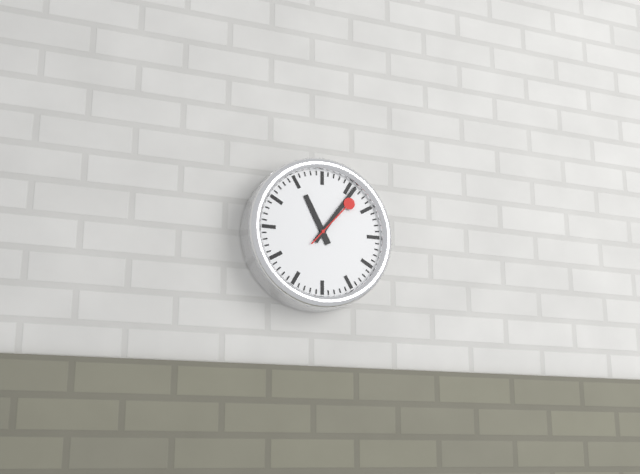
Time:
11:06:07
